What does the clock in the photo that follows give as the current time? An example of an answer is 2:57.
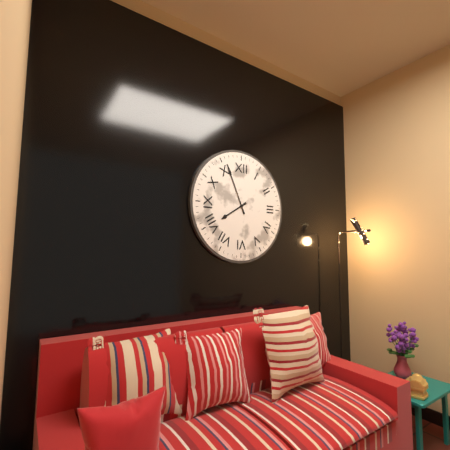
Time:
7:56
